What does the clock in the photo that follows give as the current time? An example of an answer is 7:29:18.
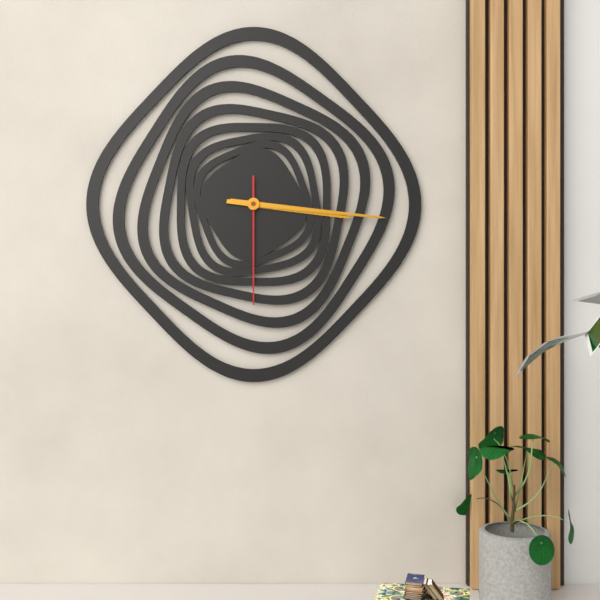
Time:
3:16:30
